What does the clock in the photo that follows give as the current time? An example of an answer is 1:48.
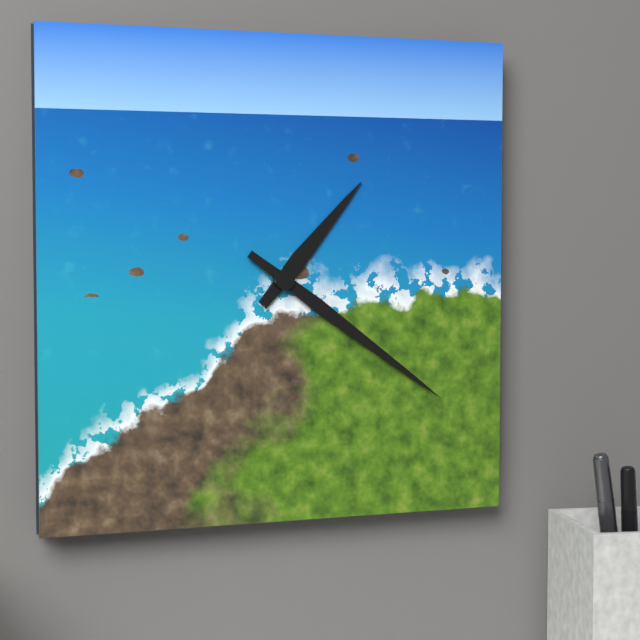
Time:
1:21
